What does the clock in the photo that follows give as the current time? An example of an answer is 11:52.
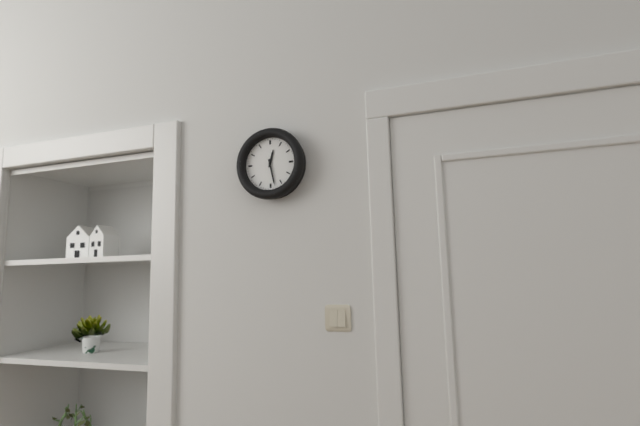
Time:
12:28
